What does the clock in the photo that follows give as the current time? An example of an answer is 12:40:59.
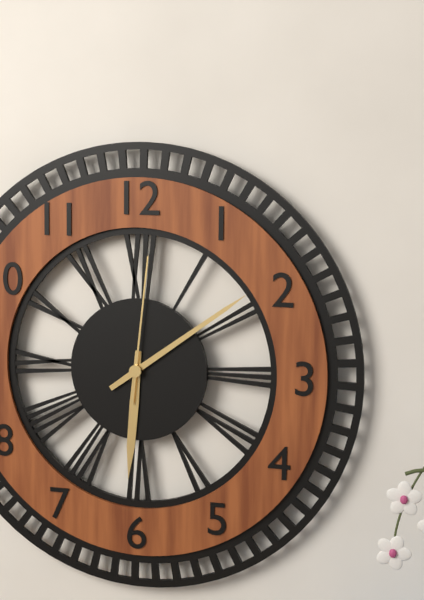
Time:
6:09:01
